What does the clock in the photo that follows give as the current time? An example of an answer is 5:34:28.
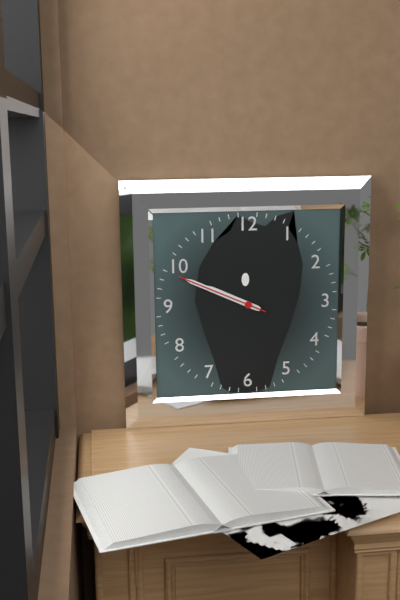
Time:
9:49:49
